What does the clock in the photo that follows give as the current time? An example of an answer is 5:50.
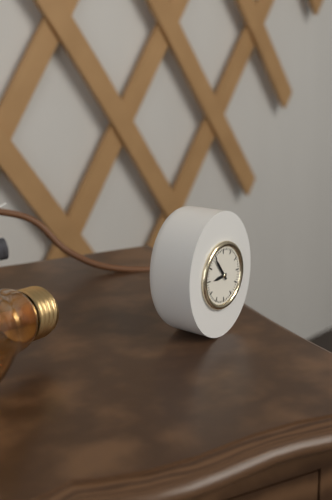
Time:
8:54
